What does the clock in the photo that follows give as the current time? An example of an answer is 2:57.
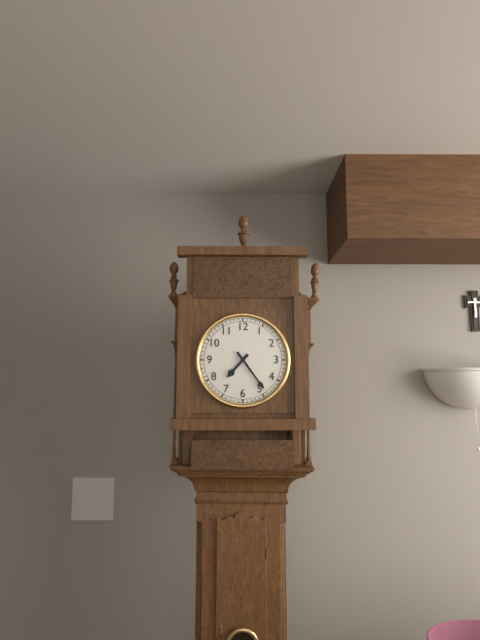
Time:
7:24
